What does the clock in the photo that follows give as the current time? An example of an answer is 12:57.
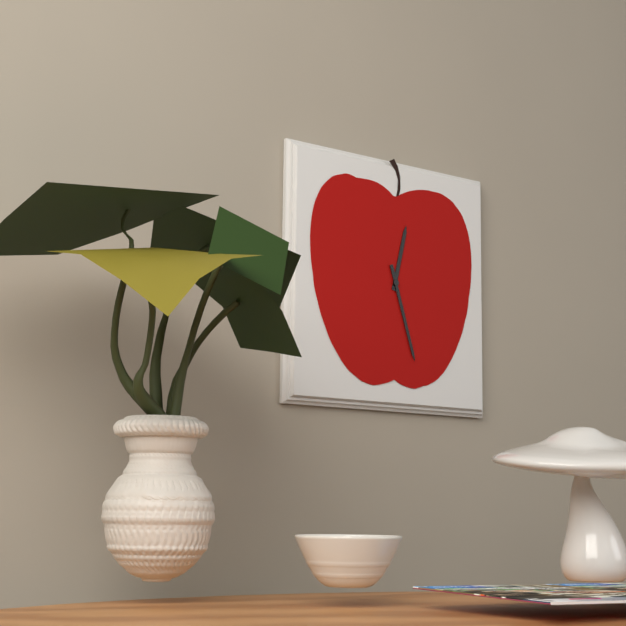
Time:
12:27
